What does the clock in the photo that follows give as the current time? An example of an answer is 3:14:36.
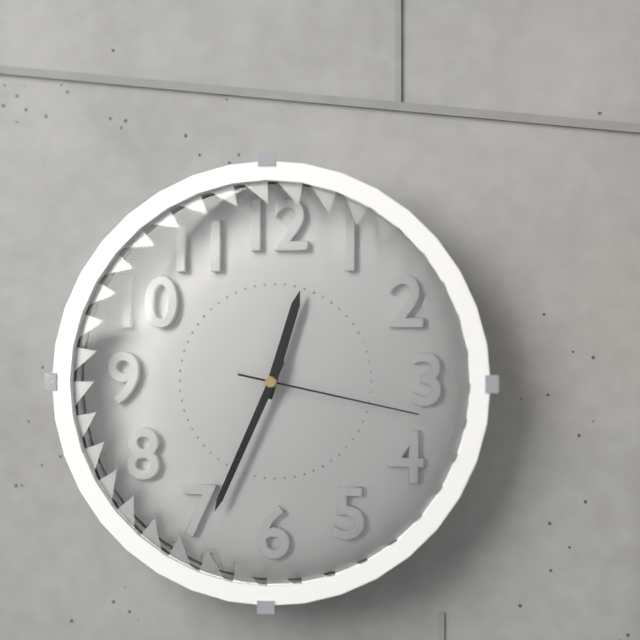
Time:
12:34:17
